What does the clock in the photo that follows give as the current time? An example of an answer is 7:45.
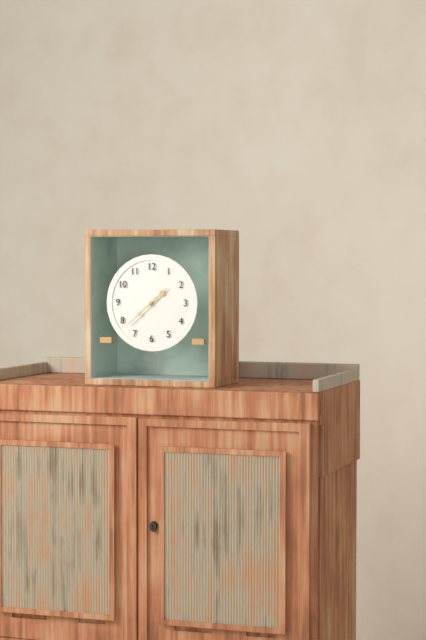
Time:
1:38
